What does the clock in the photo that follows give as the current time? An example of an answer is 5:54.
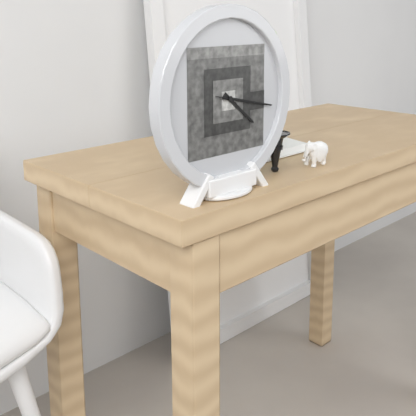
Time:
4:17
